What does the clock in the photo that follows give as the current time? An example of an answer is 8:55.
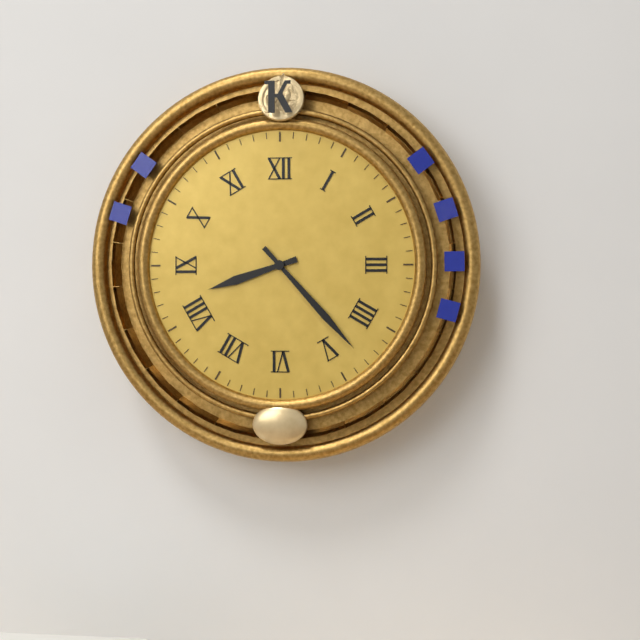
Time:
8:23
